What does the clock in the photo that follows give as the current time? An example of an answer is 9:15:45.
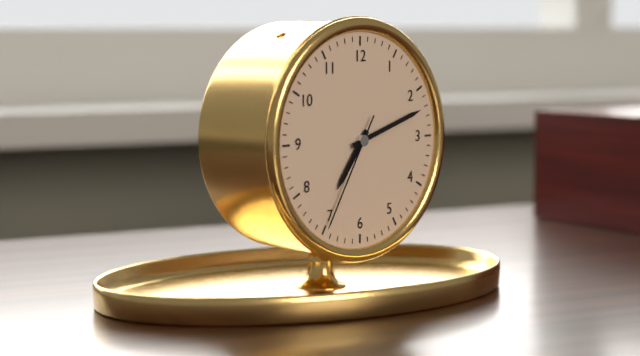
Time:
7:12:35
